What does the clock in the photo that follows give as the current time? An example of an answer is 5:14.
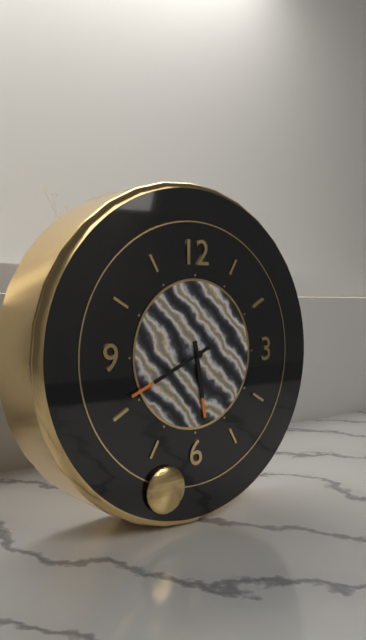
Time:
5:41
